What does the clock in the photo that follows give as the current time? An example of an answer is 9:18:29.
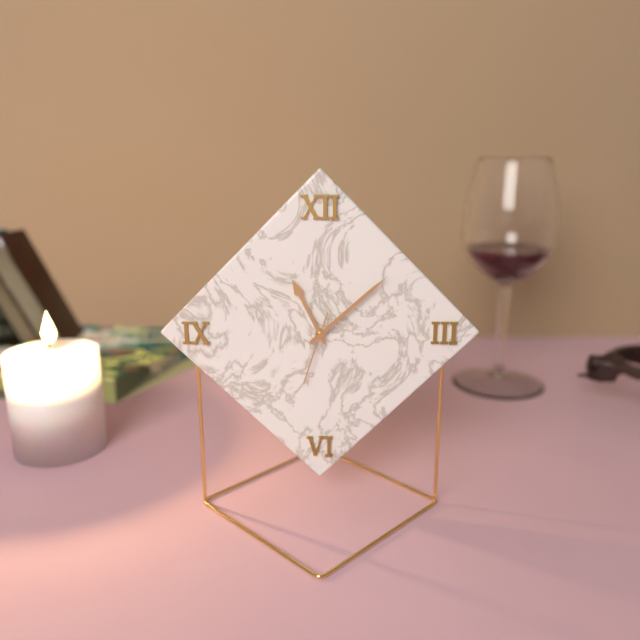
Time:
11:08:33
